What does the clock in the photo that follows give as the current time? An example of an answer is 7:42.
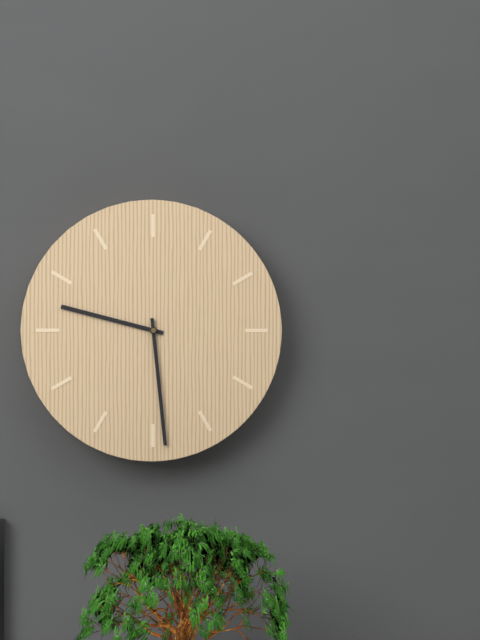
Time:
9:29
